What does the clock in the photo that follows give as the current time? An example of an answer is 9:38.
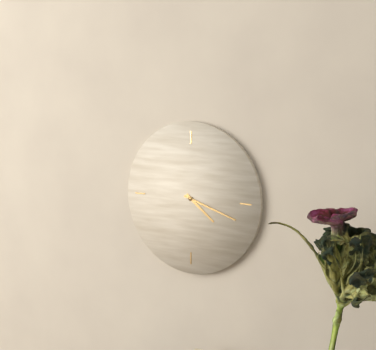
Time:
4:18
